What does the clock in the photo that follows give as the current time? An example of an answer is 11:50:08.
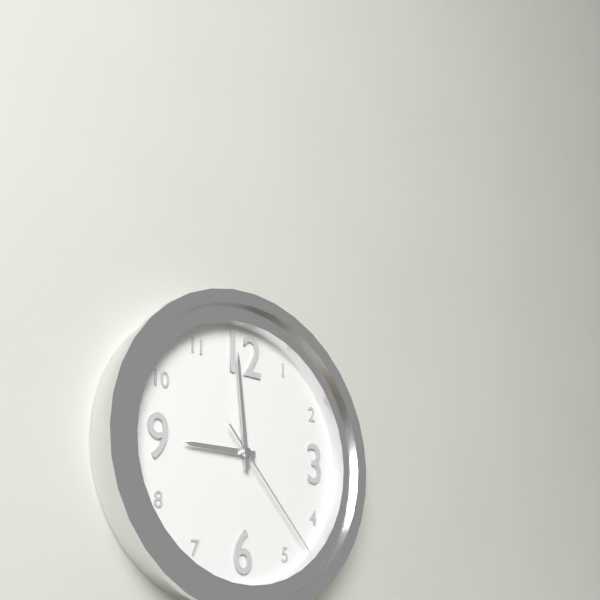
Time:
8:59:23
